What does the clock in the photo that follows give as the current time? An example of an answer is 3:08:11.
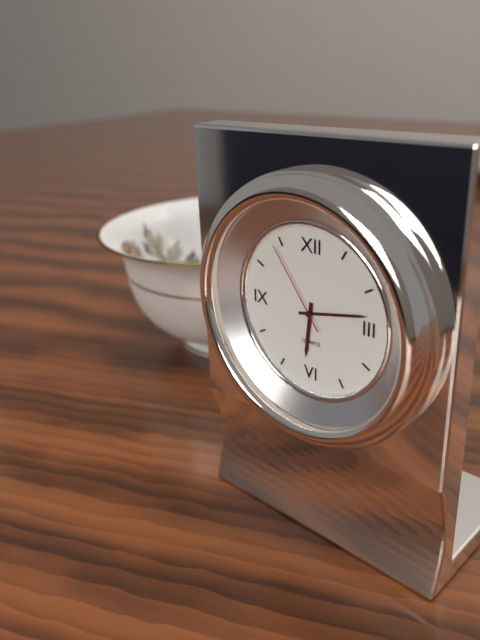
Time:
6:13:54
